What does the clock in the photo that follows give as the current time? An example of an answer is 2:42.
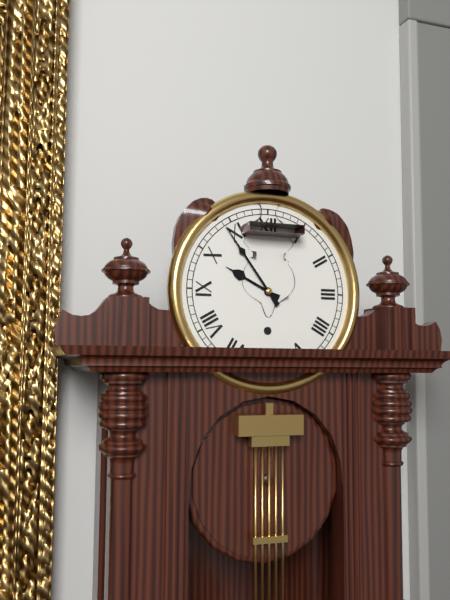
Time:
9:54
